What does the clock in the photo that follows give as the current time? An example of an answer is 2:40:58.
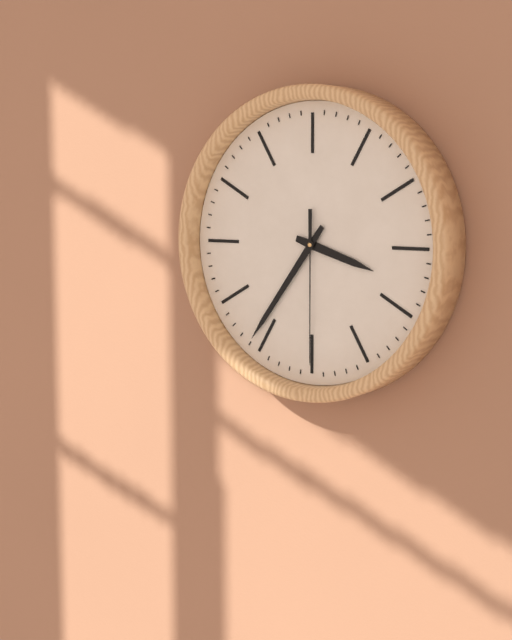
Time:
3:36:30
